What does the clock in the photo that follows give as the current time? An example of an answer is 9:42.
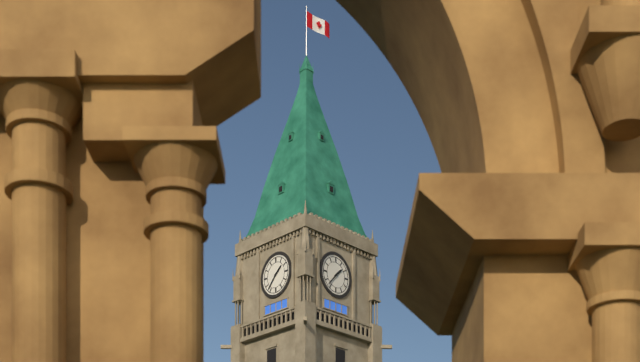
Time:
1:37
